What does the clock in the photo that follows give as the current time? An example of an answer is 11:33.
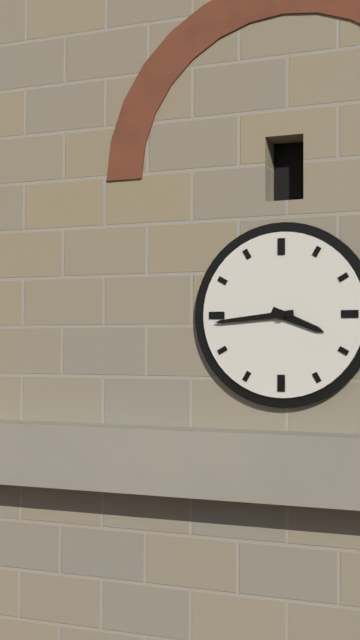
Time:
3:44
